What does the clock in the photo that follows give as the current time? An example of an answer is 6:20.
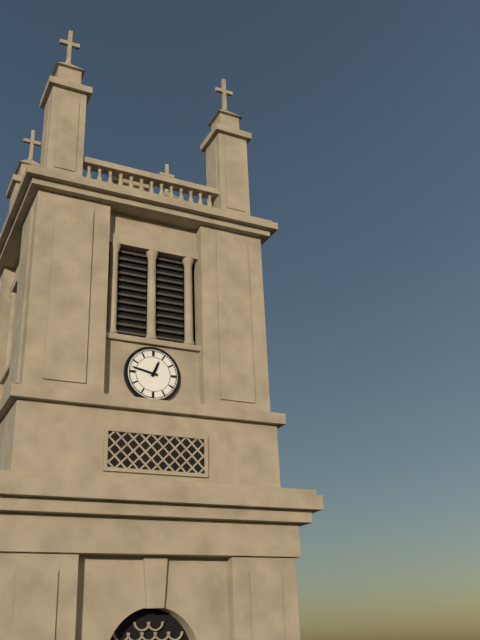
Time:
12:47
